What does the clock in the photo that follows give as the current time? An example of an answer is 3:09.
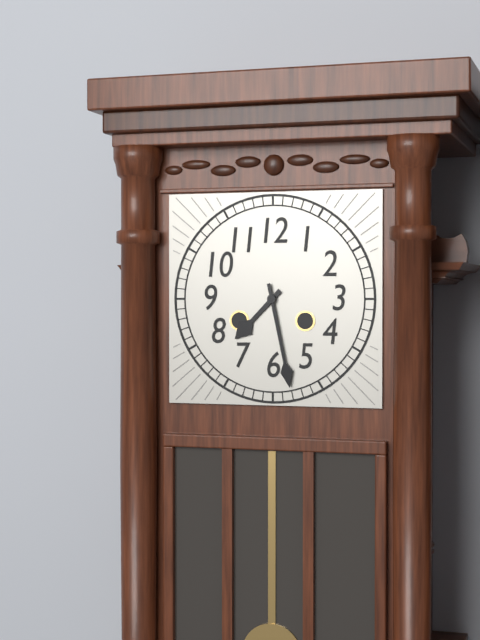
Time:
7:28
